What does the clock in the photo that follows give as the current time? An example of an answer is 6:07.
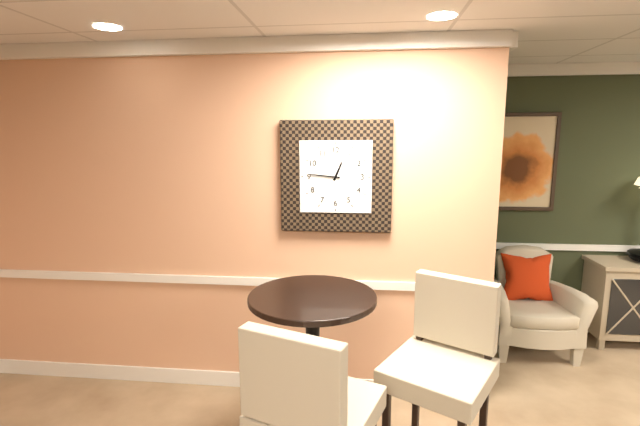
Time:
12:46
